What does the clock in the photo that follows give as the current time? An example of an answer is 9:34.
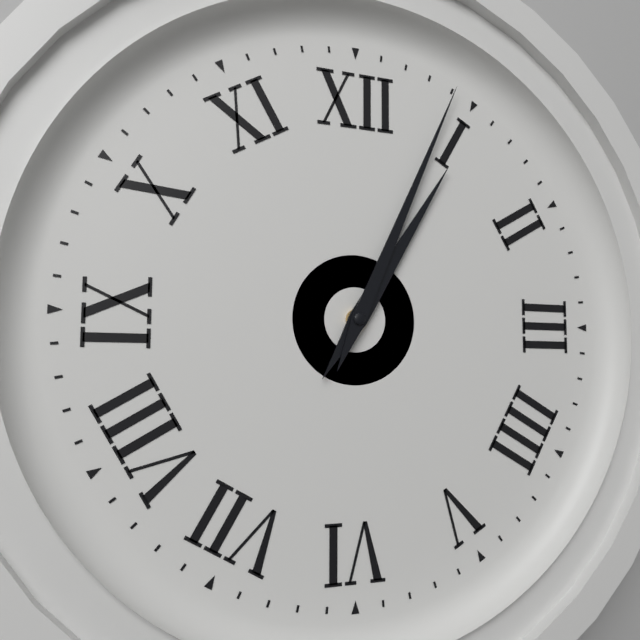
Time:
1:04
